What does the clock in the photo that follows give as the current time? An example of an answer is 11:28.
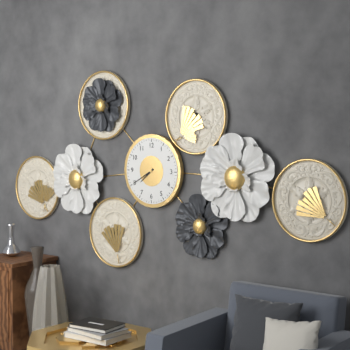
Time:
7:40
